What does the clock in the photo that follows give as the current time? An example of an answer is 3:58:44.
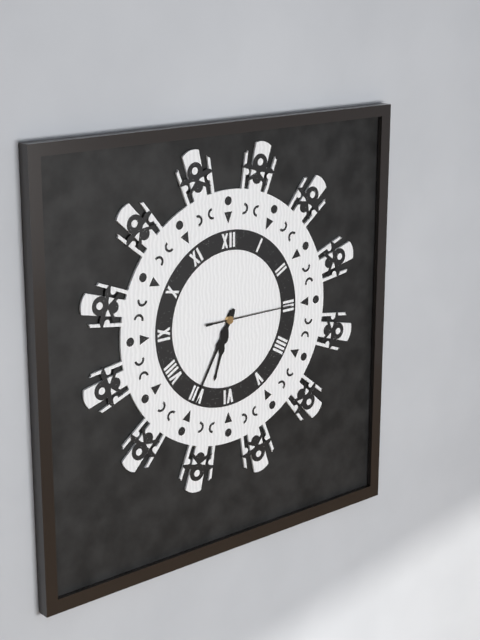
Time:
6:35:15
